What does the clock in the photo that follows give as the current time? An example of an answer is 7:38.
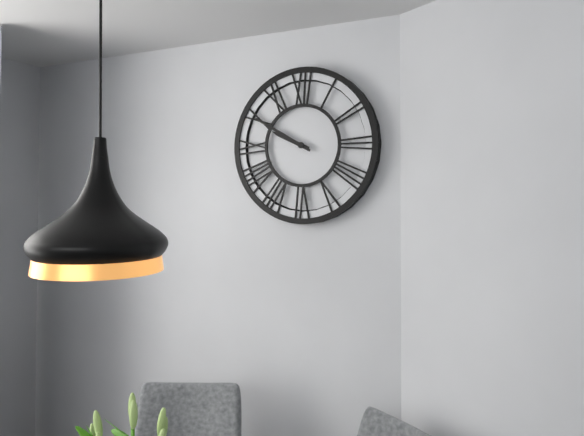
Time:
9:50
